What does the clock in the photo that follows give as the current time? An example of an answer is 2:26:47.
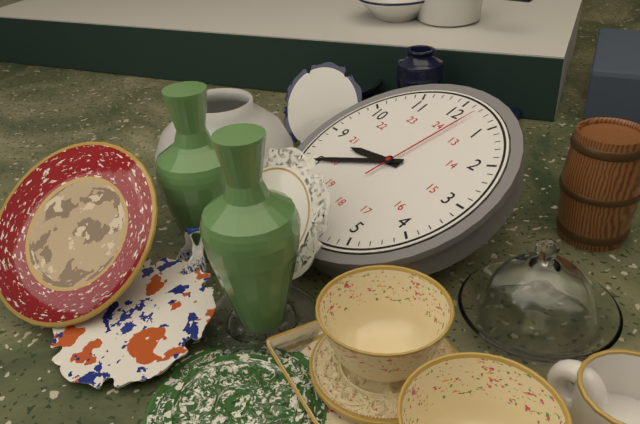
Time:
8:40:02
